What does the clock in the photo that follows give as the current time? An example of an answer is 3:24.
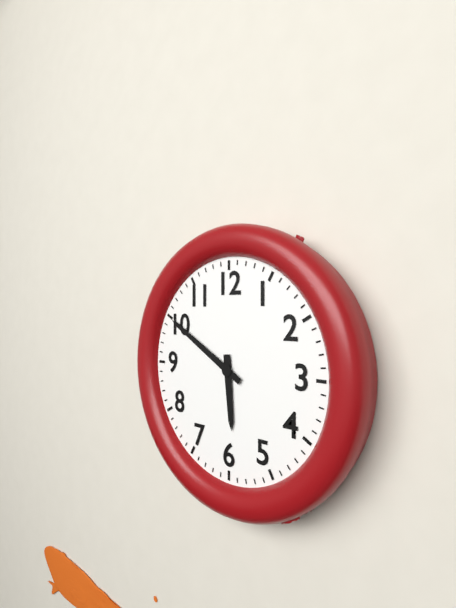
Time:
5:50
